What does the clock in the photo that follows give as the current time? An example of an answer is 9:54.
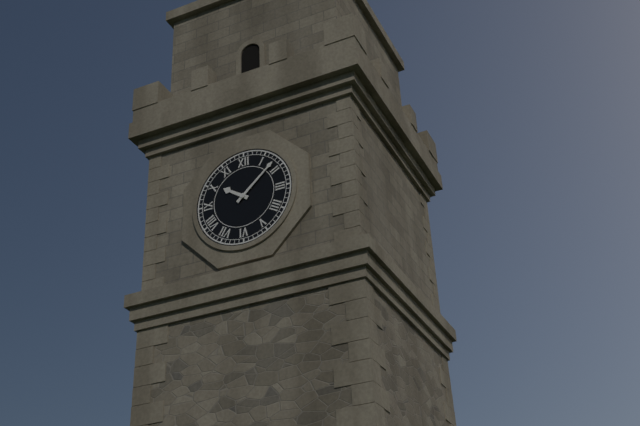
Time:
10:08
